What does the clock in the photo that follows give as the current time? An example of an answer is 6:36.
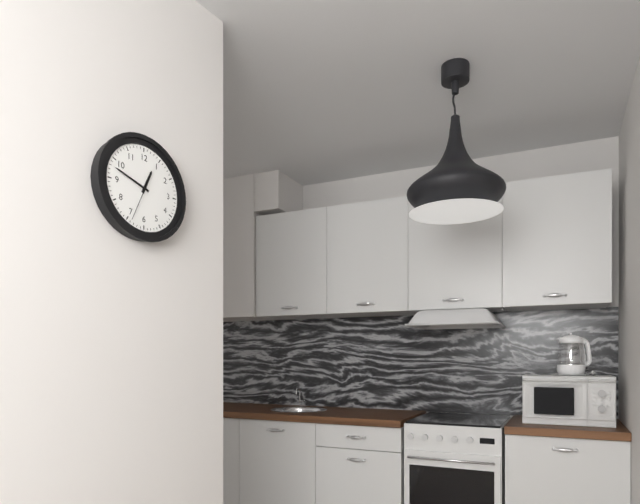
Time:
12:48
